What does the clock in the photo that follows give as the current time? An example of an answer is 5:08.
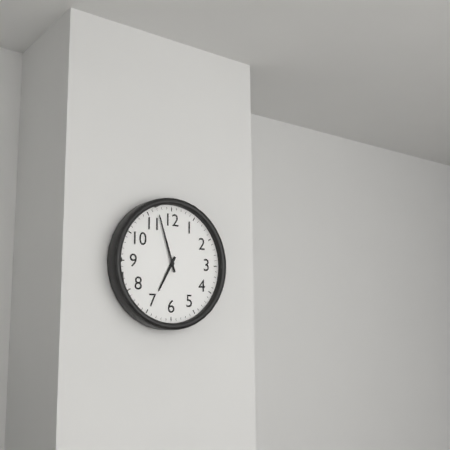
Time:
6:57
